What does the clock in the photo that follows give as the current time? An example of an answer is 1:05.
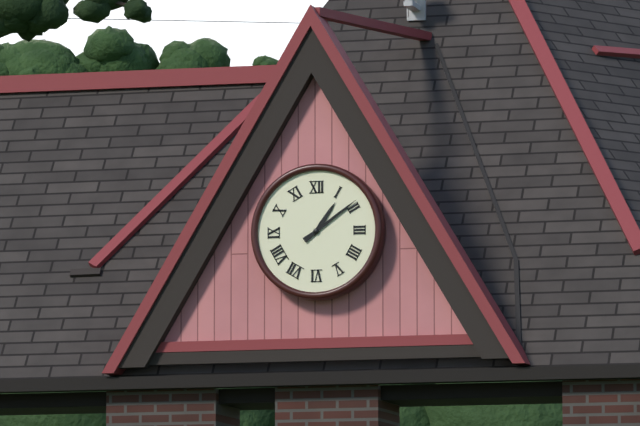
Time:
1:09
